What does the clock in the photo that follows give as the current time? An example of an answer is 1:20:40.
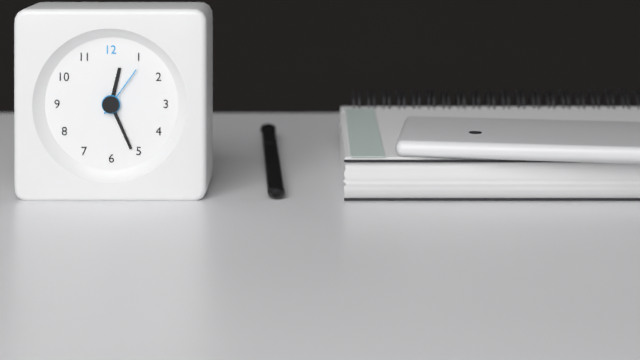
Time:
12:26:06
